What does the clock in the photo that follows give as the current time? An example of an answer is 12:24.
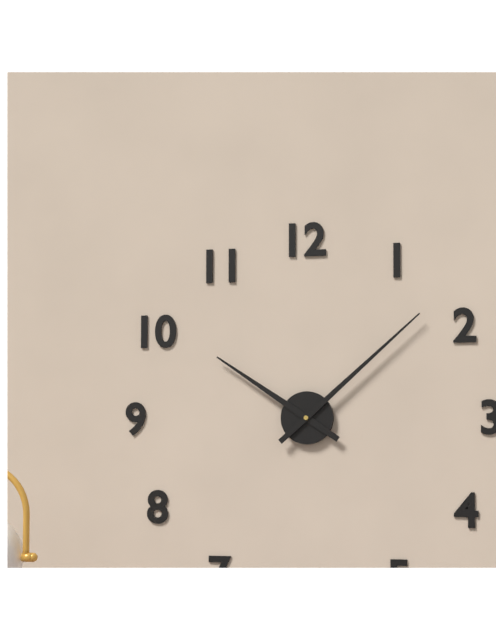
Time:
10:08
